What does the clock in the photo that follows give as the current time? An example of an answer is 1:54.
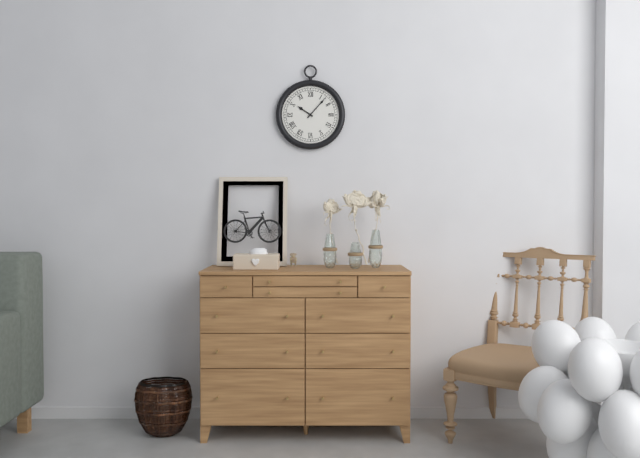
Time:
10:07
